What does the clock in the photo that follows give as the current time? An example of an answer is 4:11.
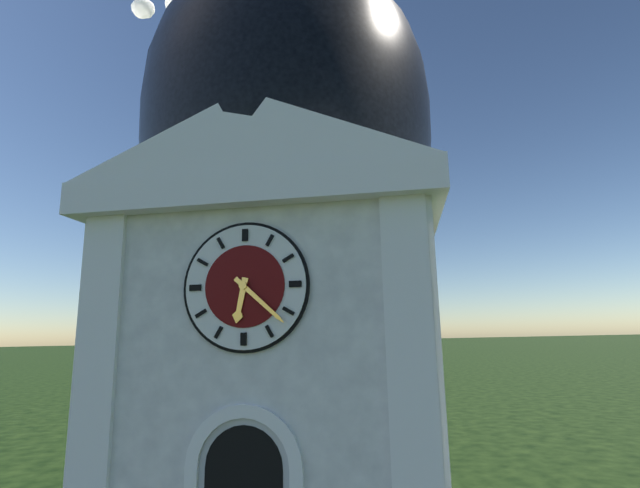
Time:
6:22
